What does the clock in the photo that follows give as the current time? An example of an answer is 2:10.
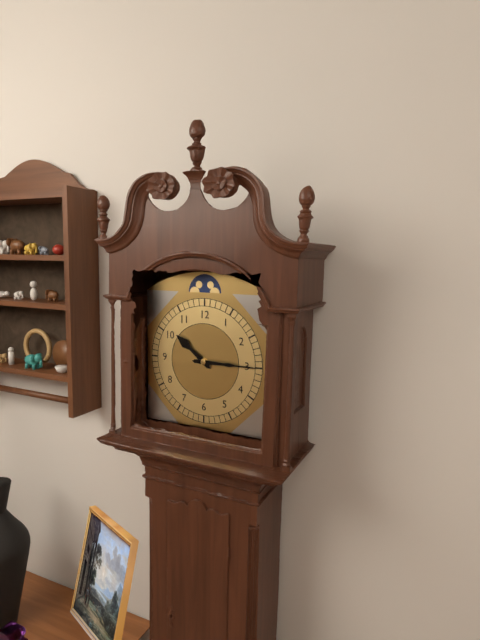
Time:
10:15
